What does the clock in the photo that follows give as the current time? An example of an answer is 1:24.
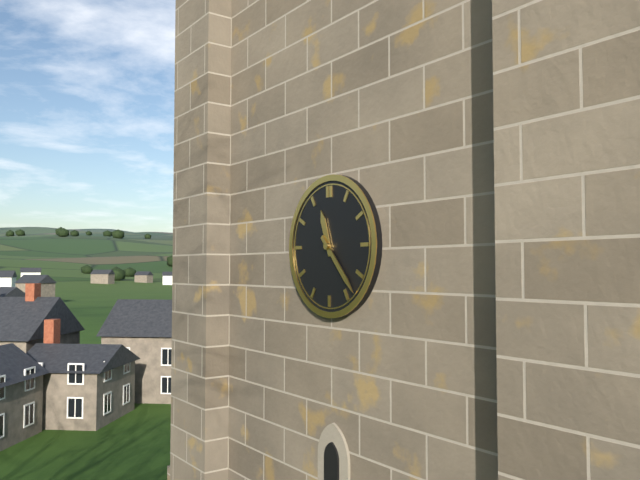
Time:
11:23
